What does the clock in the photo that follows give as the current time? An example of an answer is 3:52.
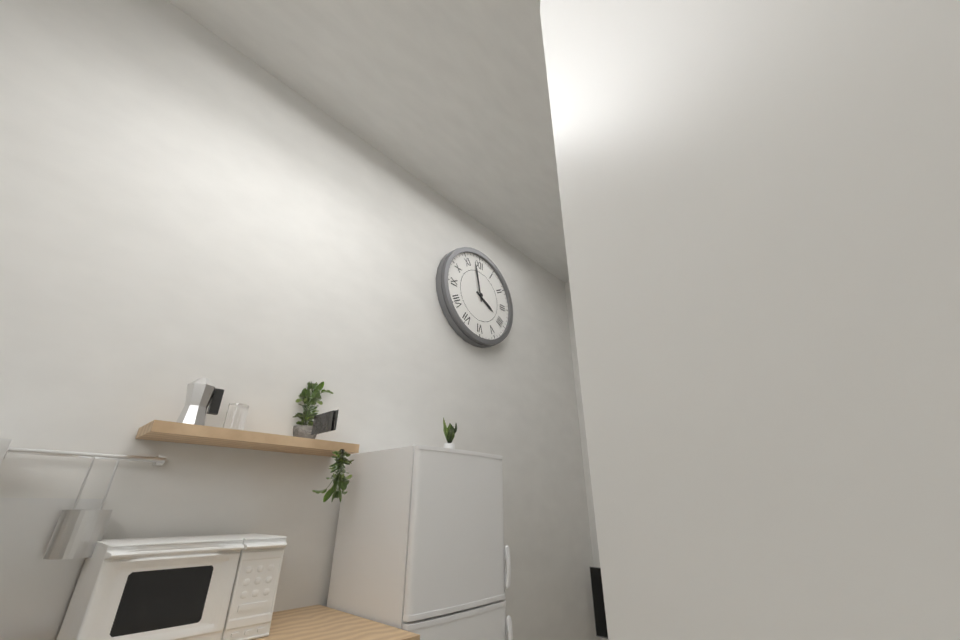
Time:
3:58
